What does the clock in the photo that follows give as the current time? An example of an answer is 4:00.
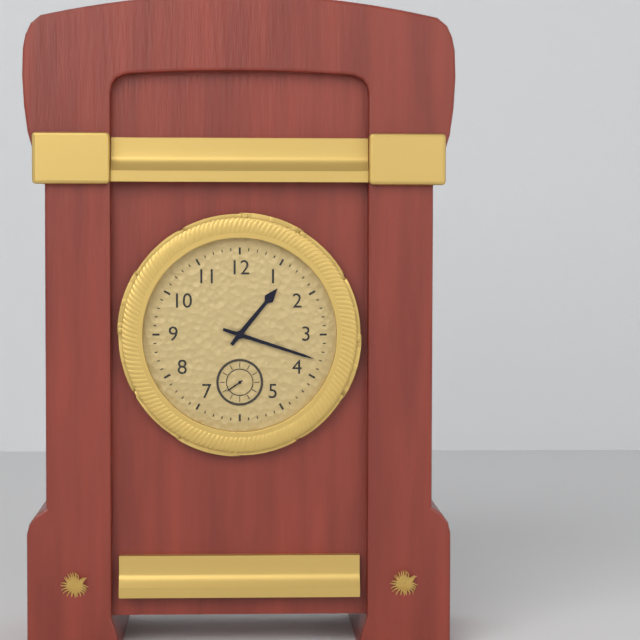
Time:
1:18
